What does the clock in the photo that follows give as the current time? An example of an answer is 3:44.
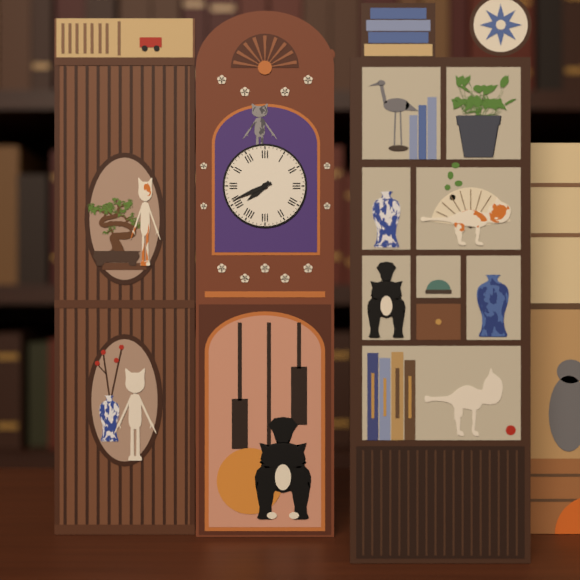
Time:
7:41
